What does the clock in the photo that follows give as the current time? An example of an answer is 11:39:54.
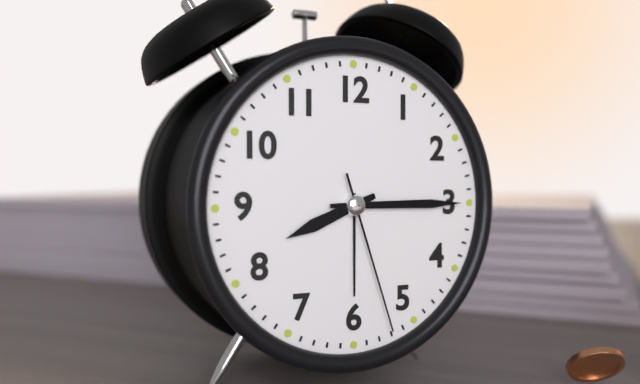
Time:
8:15:27
